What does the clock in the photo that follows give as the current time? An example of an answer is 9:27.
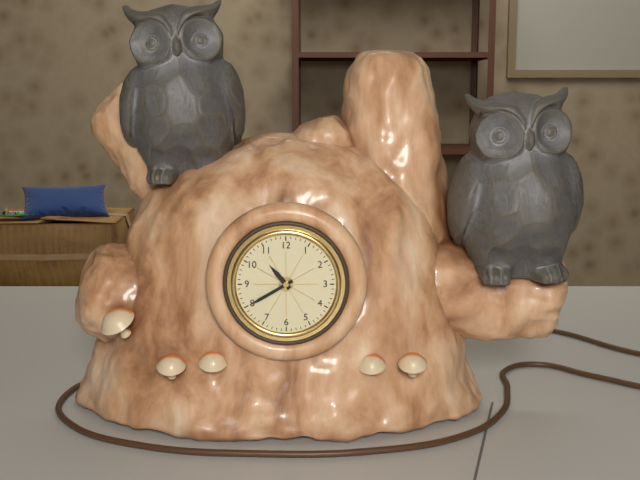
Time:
10:40
